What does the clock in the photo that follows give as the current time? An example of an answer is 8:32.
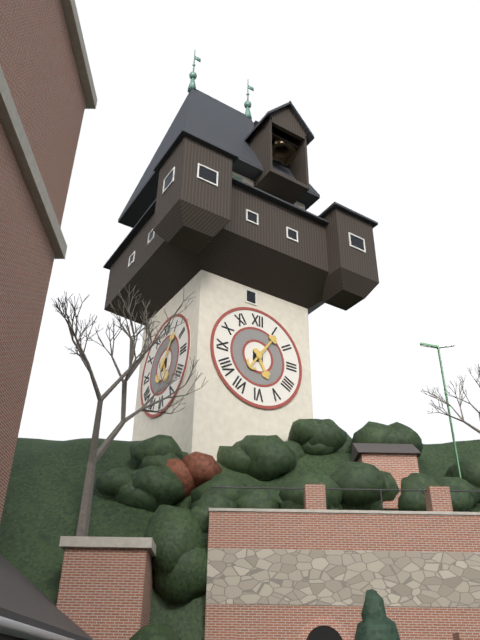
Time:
5:06
